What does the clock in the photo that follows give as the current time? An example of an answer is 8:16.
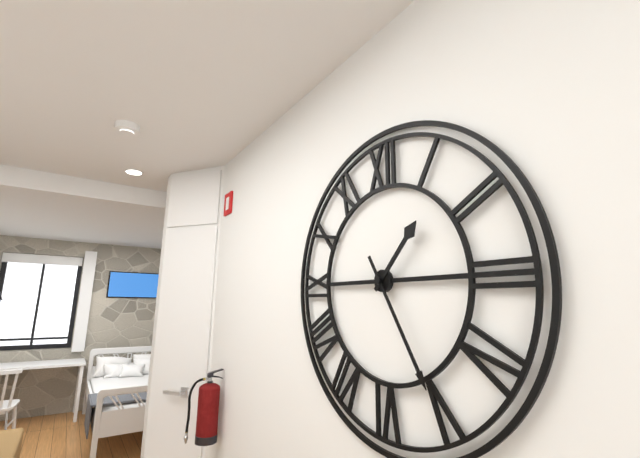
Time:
1:25
